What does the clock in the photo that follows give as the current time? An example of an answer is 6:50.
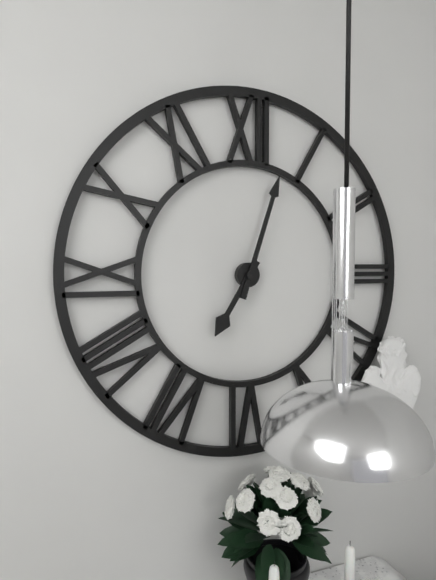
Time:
7:03
